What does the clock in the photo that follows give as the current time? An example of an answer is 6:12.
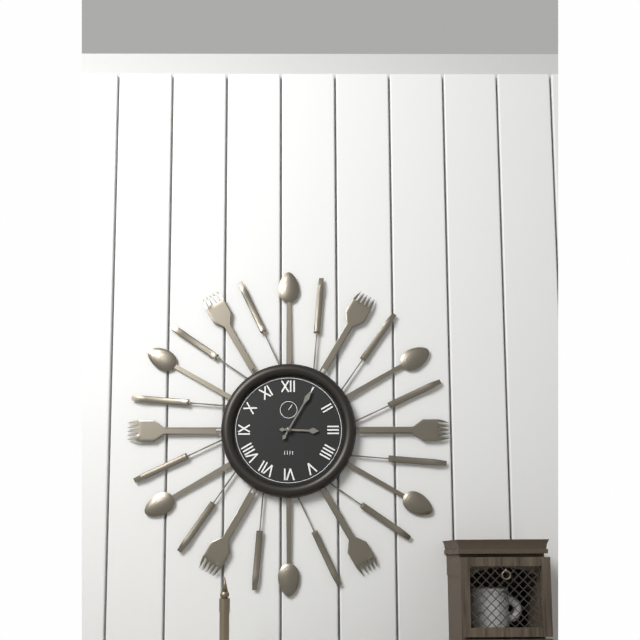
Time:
3:05
